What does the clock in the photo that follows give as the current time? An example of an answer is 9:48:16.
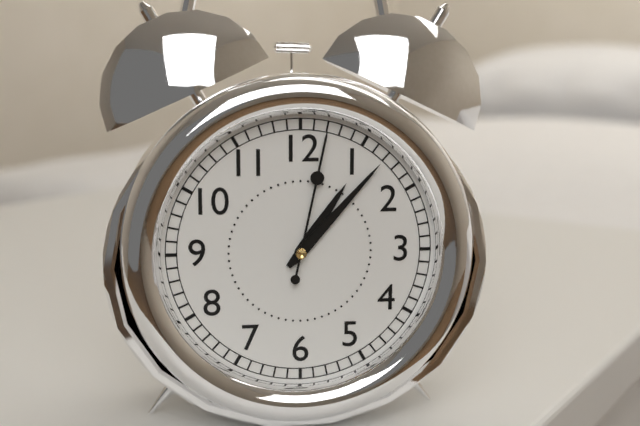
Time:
1:07:02
